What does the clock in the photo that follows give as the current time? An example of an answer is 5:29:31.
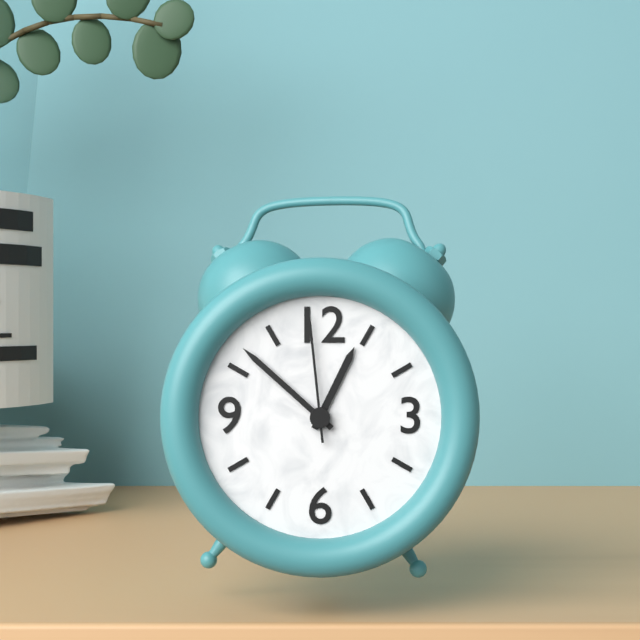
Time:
12:52:59
